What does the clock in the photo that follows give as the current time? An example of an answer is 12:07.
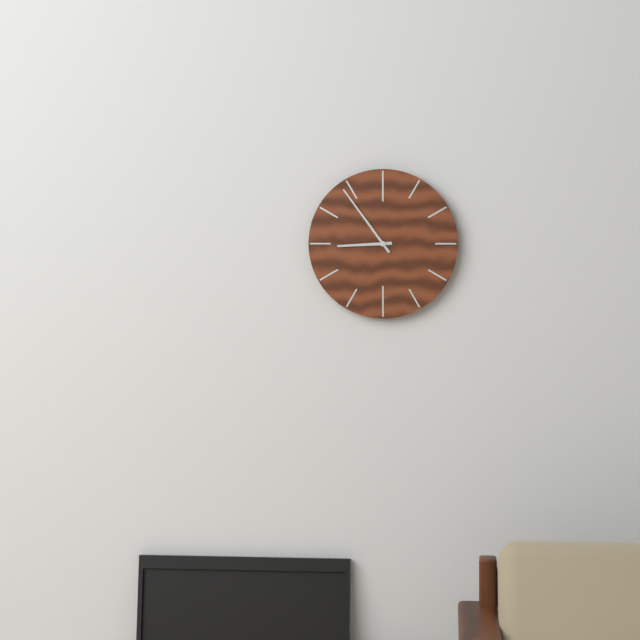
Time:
8:54
